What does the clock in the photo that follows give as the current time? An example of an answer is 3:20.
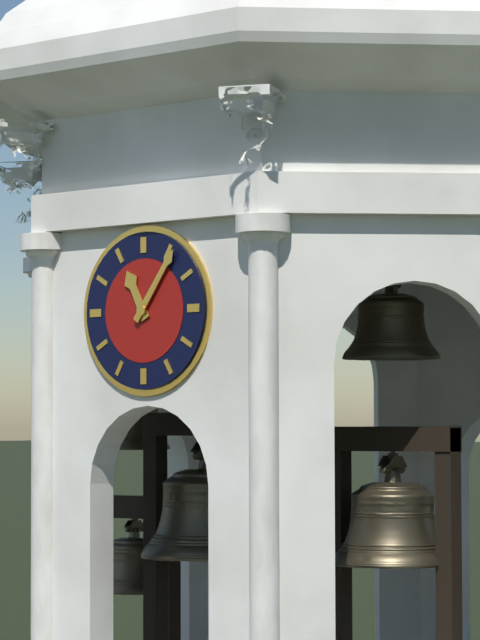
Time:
11:06
